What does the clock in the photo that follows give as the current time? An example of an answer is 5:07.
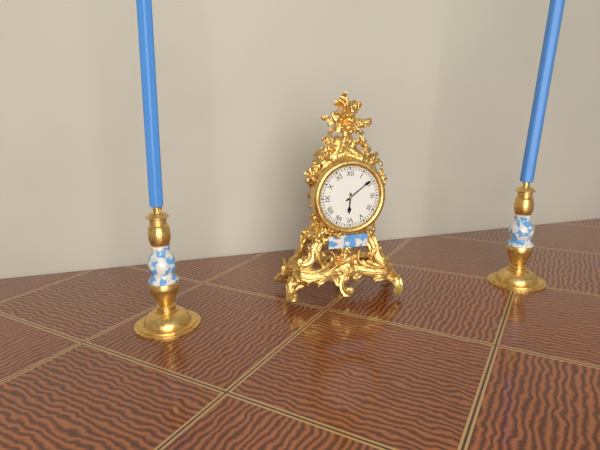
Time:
6:09
